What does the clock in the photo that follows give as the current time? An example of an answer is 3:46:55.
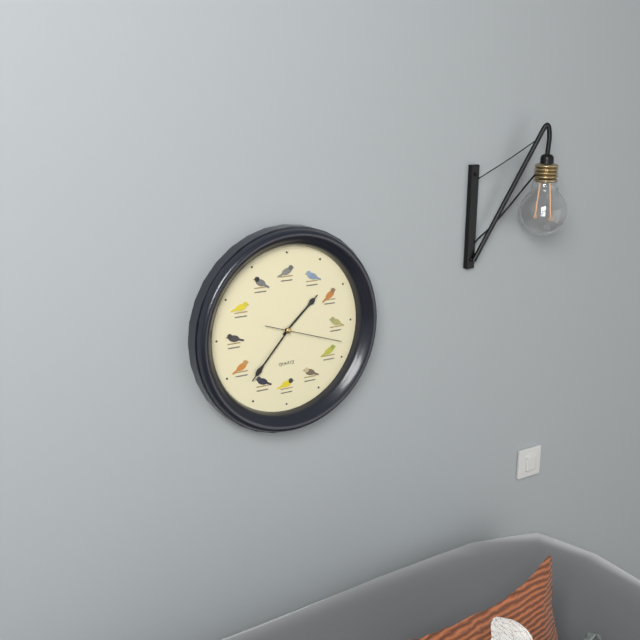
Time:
1:37:18
